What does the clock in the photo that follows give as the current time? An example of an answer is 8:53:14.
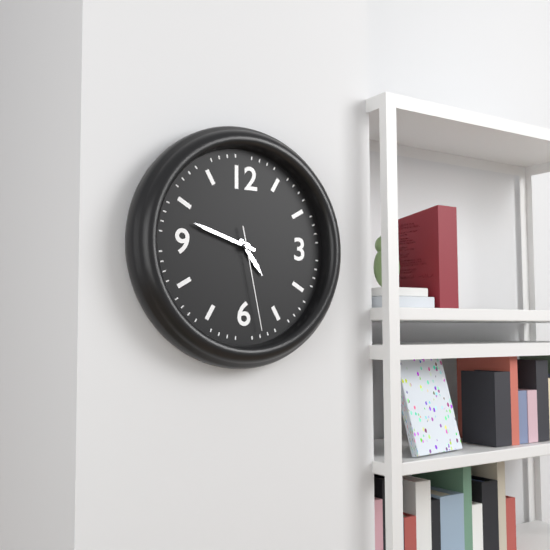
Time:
4:48:28
